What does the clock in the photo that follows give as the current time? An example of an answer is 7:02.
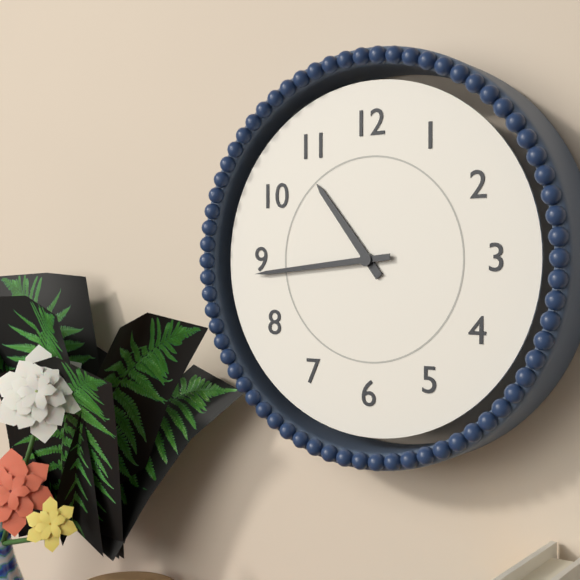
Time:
10:44
